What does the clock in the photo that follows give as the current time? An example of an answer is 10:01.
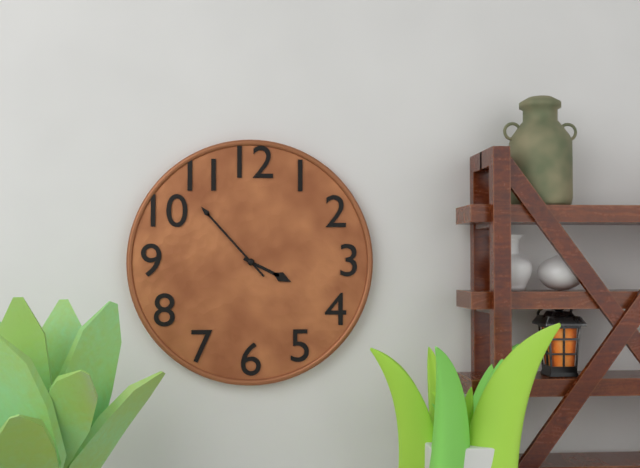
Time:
3:53
